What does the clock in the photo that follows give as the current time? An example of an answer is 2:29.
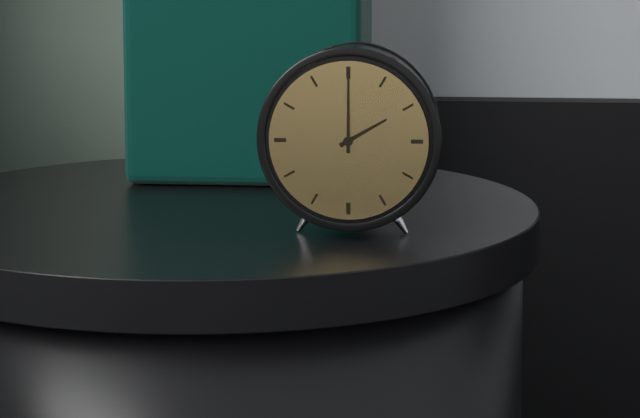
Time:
2:00
